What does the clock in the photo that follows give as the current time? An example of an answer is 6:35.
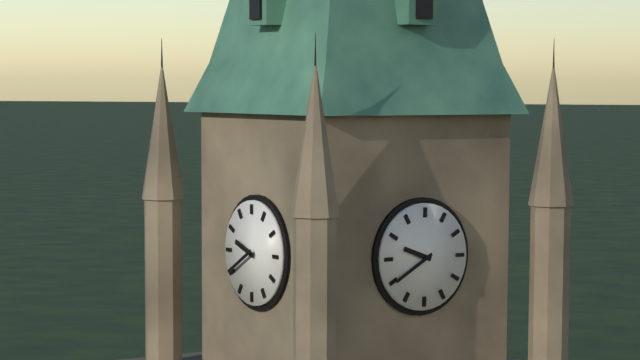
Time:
9:40
